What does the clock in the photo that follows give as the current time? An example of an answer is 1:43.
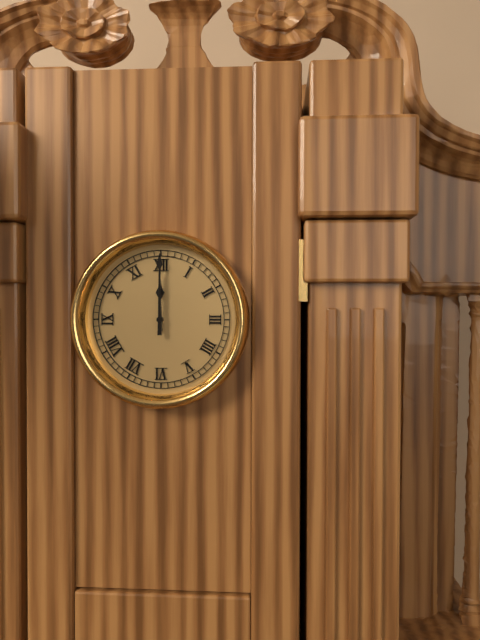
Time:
12:00
